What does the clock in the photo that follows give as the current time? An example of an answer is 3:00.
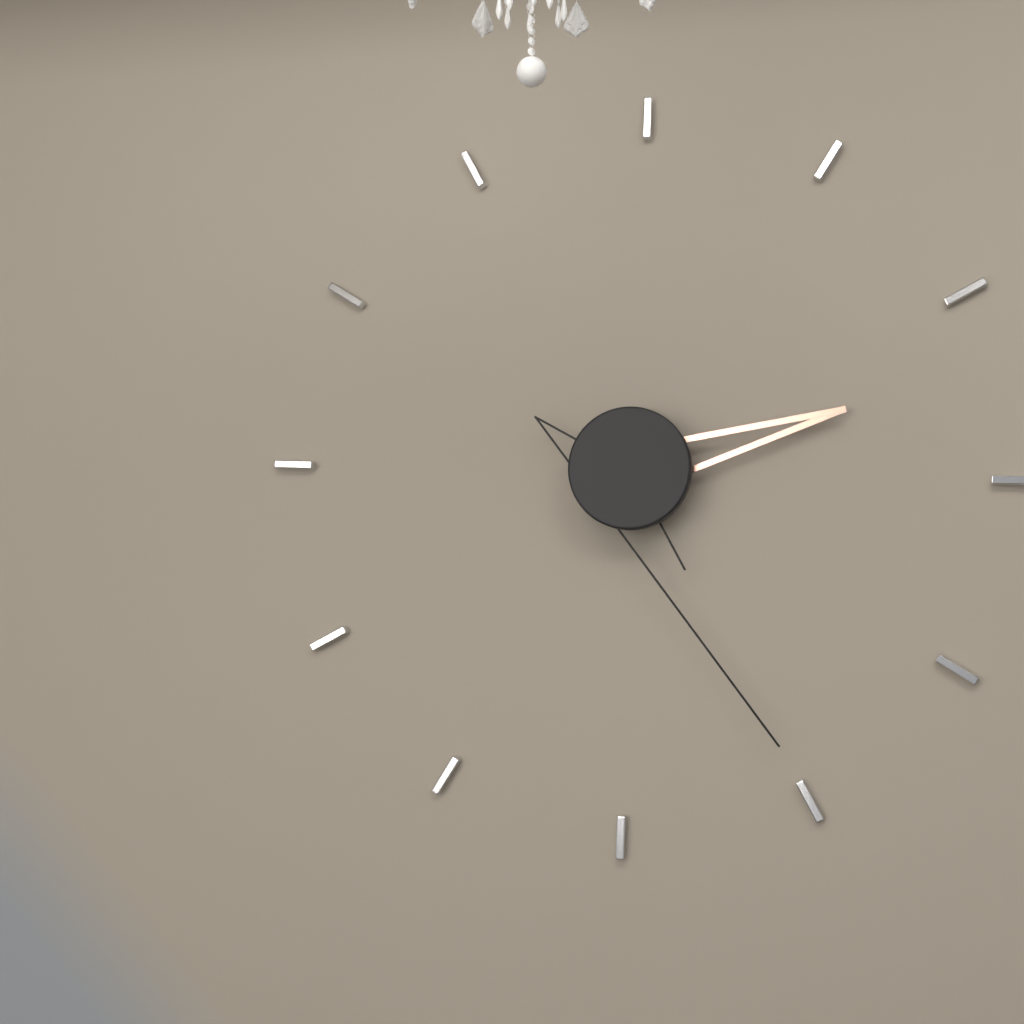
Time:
2:25
